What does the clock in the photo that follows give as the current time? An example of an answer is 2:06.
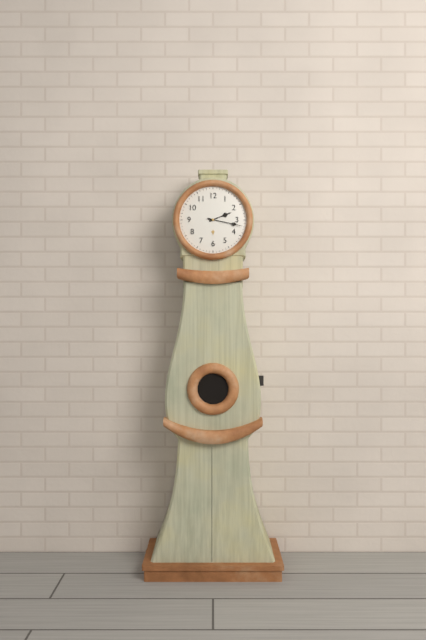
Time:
2:17
